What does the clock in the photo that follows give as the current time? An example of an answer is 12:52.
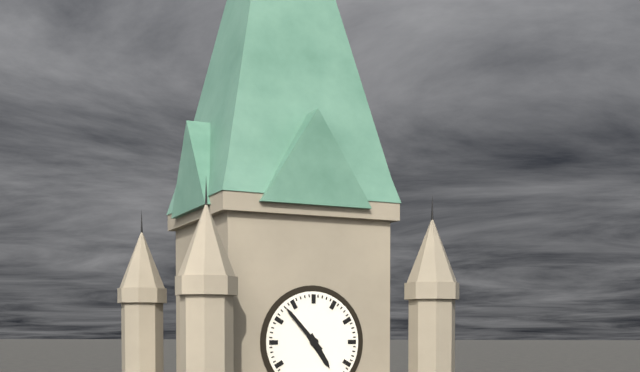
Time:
4:53
